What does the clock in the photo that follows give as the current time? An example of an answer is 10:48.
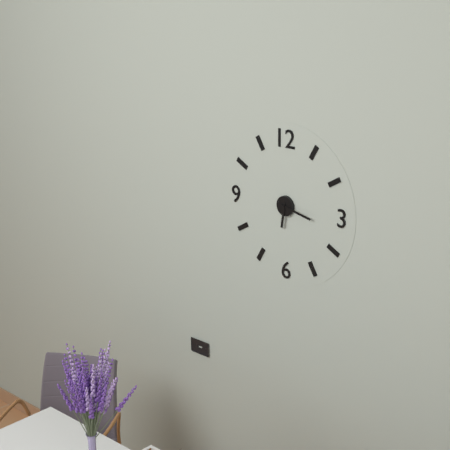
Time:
6:17
